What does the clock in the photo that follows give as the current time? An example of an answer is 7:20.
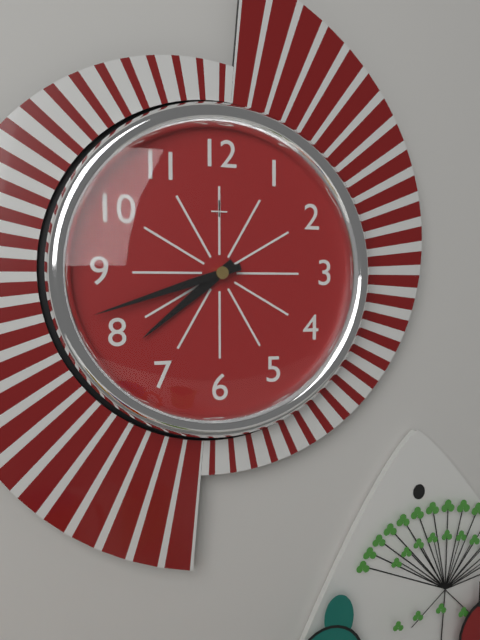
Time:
7:42
